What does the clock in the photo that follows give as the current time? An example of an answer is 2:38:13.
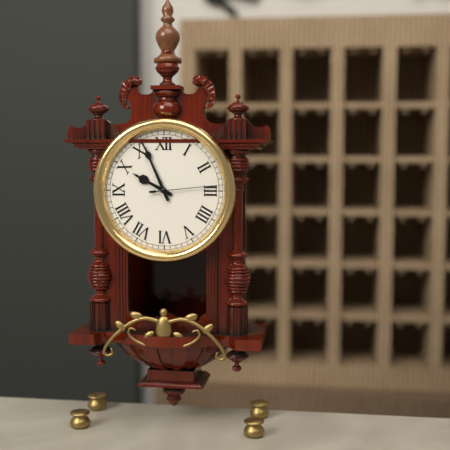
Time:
9:56:14
